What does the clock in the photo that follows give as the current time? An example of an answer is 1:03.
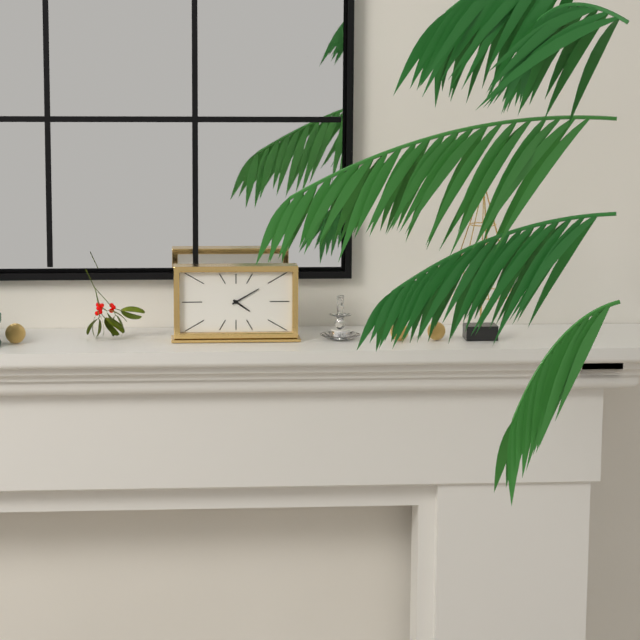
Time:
4:10
